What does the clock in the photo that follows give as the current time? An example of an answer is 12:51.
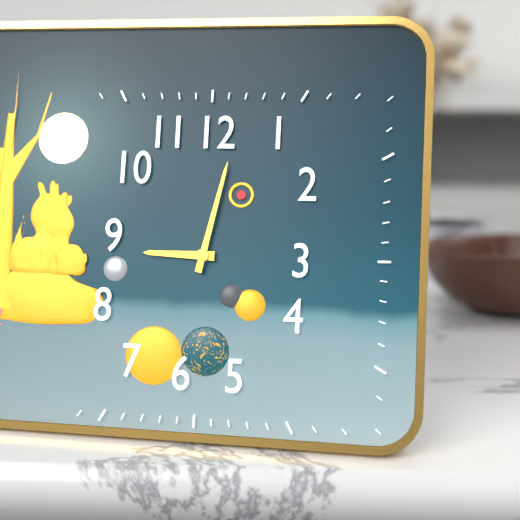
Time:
9:02
